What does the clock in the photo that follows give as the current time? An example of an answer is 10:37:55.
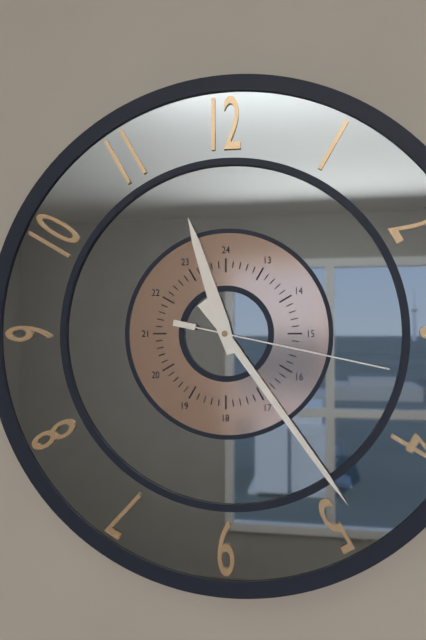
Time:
11:24:17
